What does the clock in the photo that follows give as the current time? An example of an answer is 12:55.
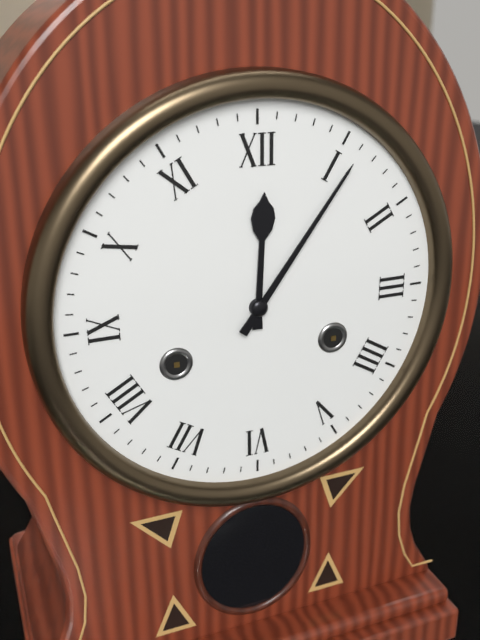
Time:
12:06
